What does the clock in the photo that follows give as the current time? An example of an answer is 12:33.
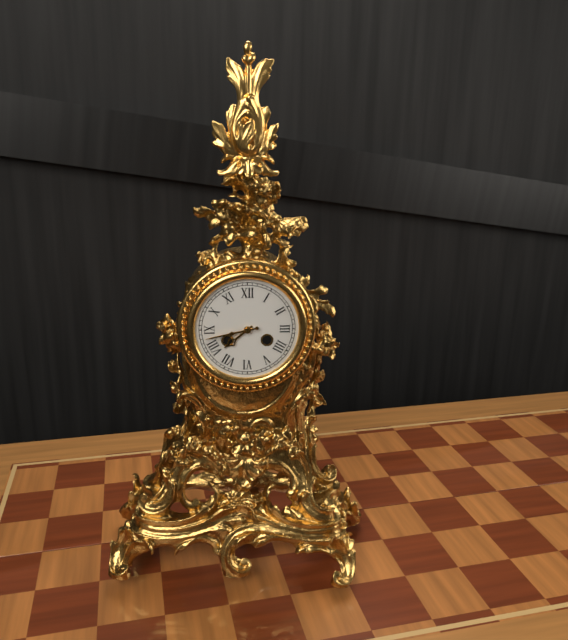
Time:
7:43
